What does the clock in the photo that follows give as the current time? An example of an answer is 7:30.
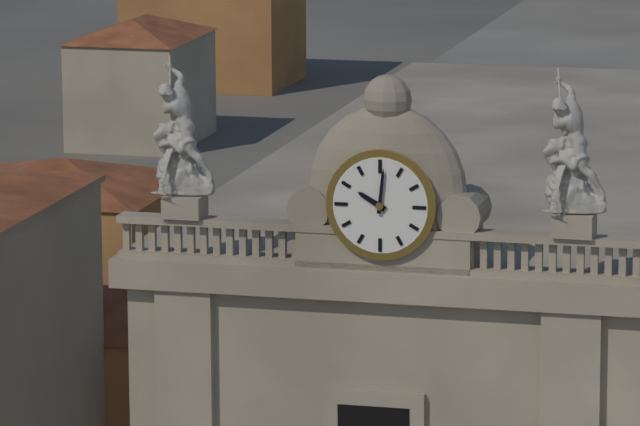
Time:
10:01
